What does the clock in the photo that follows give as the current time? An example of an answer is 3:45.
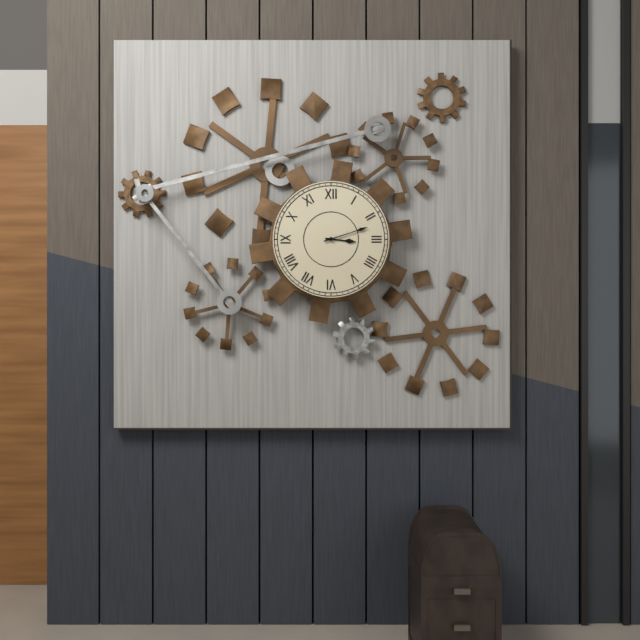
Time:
3:12
